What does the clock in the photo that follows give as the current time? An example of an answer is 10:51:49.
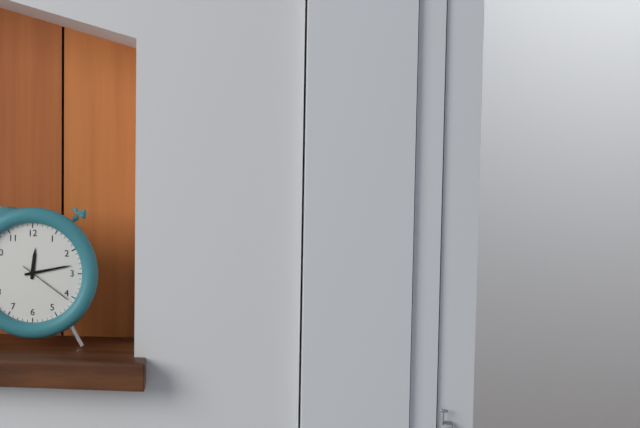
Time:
12:13:21
